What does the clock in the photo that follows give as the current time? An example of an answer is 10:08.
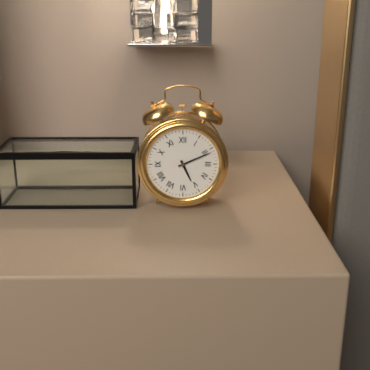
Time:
5:11
